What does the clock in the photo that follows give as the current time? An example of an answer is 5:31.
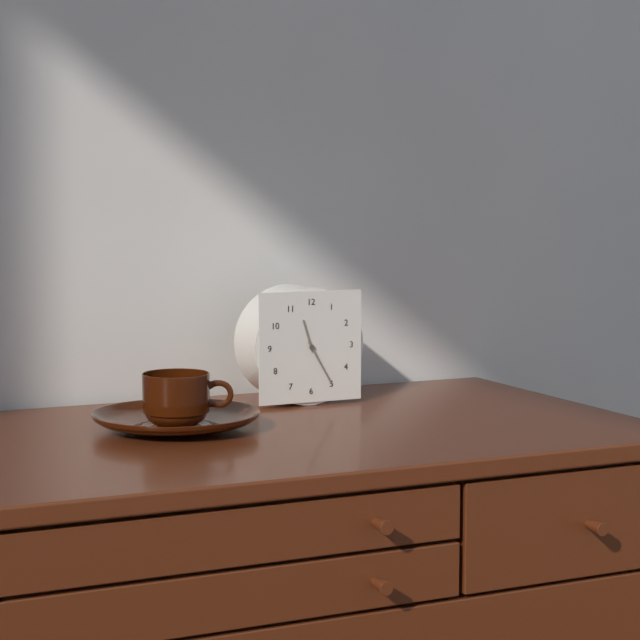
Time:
11:25
